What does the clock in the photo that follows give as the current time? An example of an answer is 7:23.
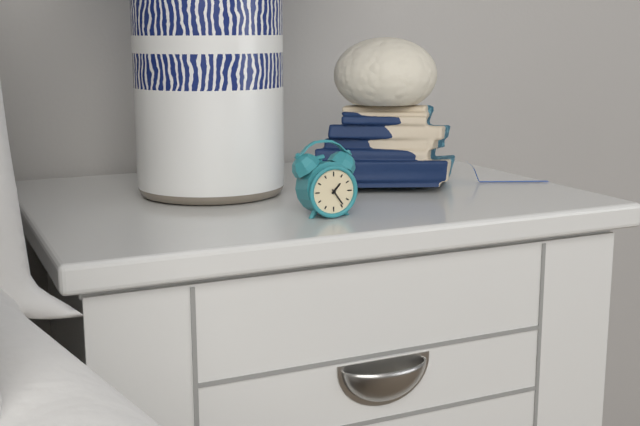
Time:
1:24
